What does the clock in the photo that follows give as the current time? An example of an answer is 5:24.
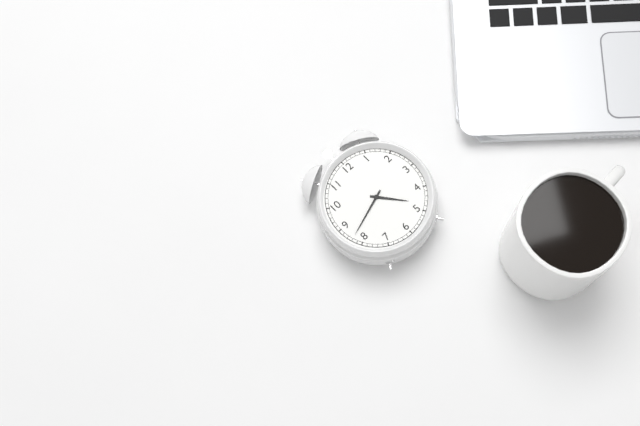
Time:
4:42
